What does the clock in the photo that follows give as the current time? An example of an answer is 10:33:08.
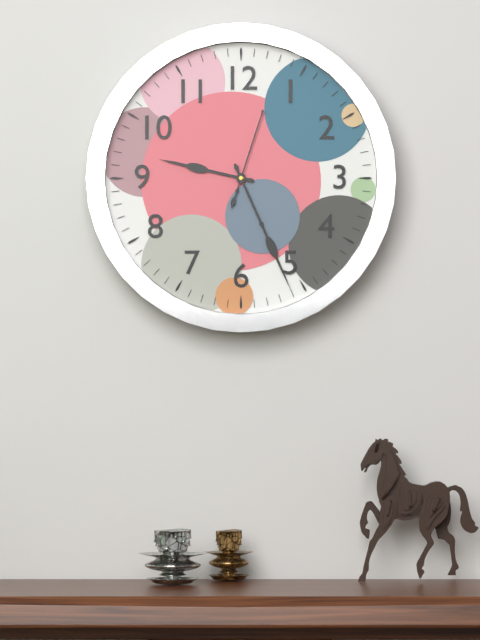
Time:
9:26:03
